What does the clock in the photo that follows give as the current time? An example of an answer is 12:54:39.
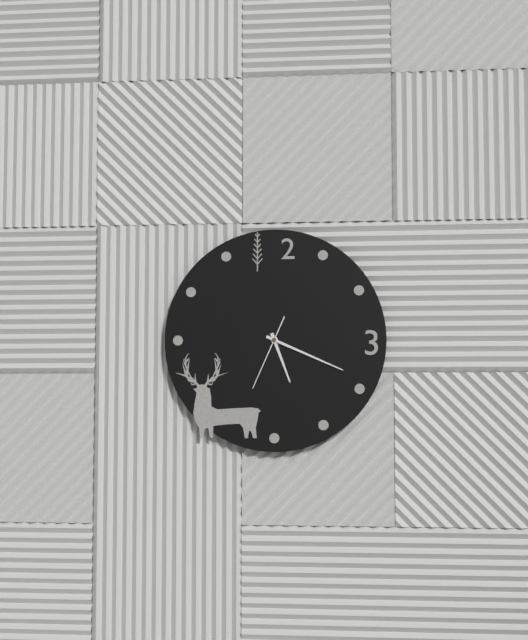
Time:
5:19:34
